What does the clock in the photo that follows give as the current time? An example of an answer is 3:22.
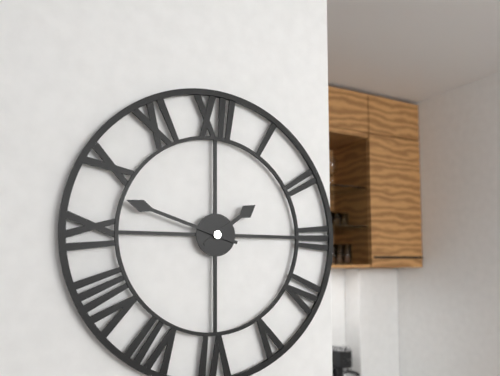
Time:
1:48
